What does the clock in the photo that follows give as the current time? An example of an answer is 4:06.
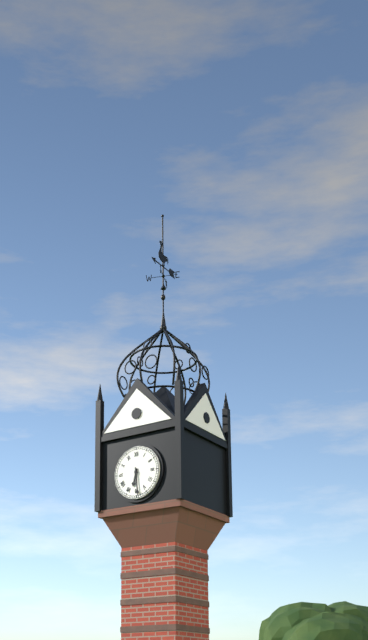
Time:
6:29
